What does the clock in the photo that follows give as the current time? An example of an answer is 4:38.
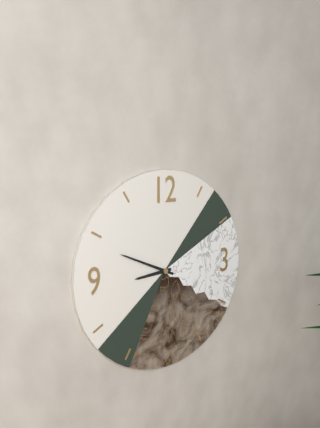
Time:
8:49
